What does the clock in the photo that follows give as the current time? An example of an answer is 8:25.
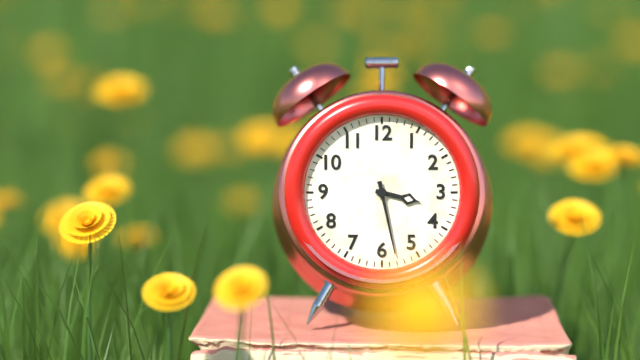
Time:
3:28
